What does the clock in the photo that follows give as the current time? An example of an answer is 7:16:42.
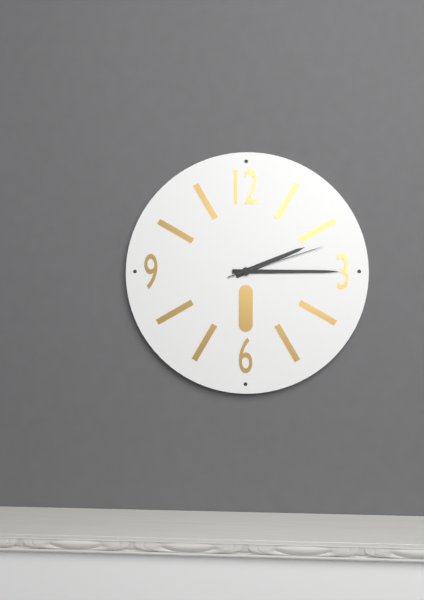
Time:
2:15:12
